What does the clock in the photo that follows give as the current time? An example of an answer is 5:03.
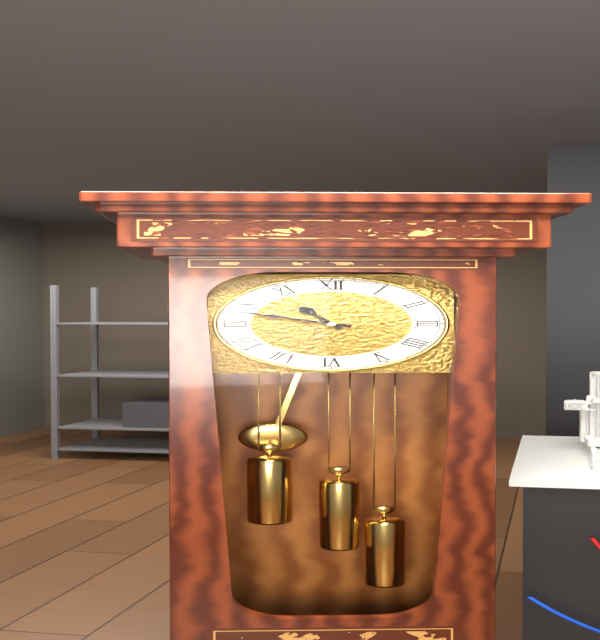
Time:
10:48
